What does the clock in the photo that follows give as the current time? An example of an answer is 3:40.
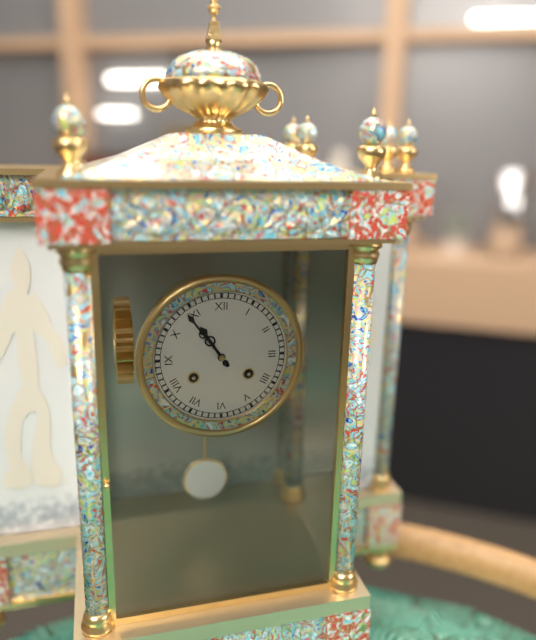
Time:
10:54
